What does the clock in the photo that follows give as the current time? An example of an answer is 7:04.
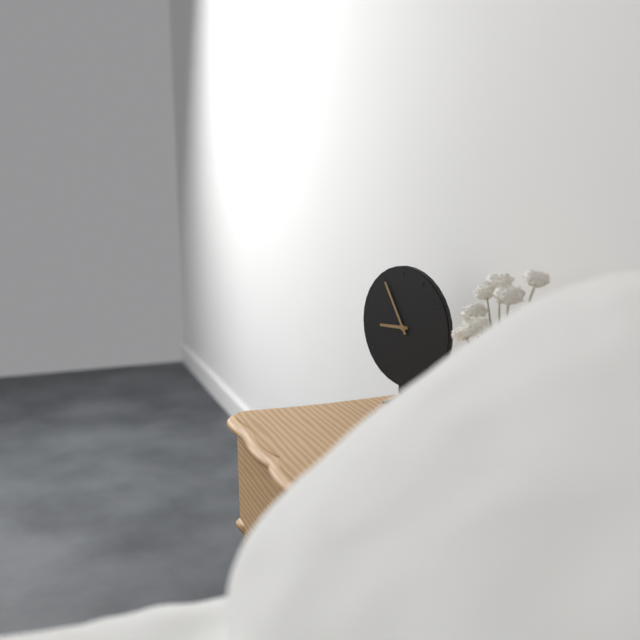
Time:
8:55
